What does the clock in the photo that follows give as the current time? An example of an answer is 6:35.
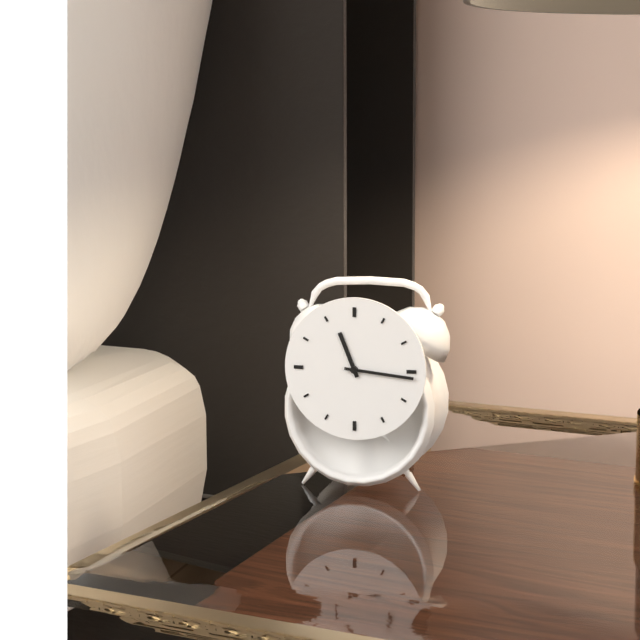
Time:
11:16
